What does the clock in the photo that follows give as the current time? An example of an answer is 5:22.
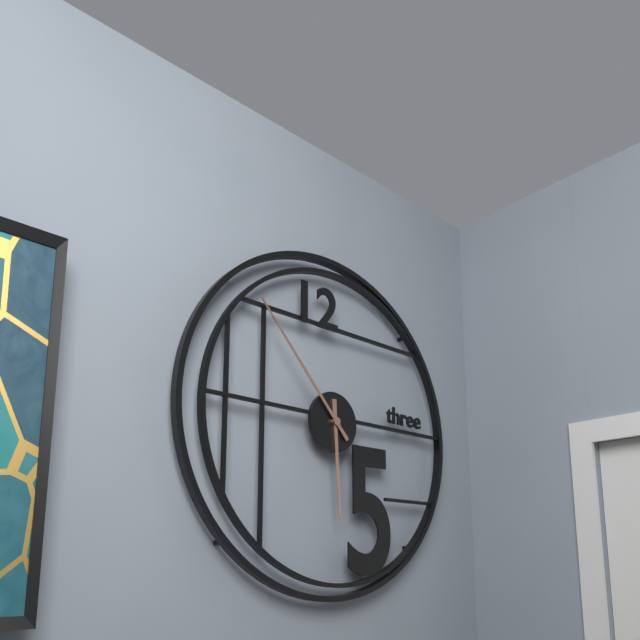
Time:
5:53
